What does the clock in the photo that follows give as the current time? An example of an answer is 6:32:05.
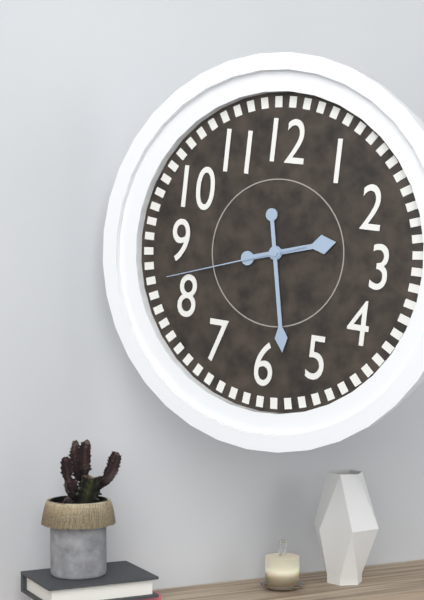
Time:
2:28:42
